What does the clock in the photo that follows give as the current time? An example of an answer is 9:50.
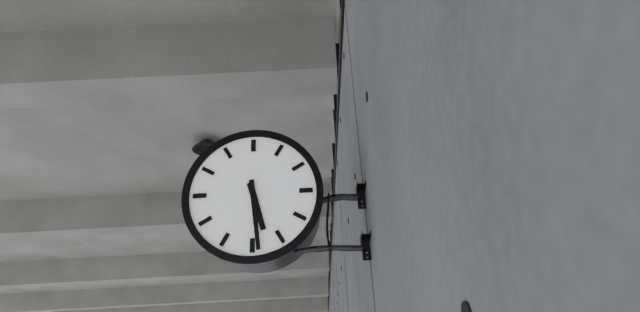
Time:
5:29
